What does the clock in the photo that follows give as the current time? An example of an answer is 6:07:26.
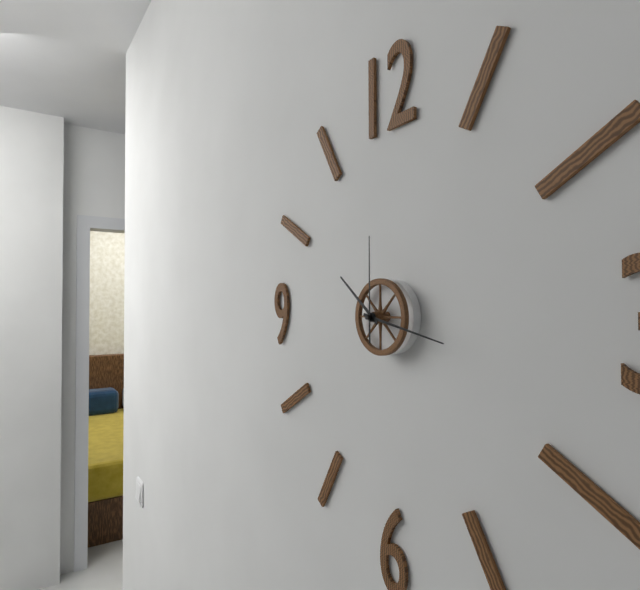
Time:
10:17:00
